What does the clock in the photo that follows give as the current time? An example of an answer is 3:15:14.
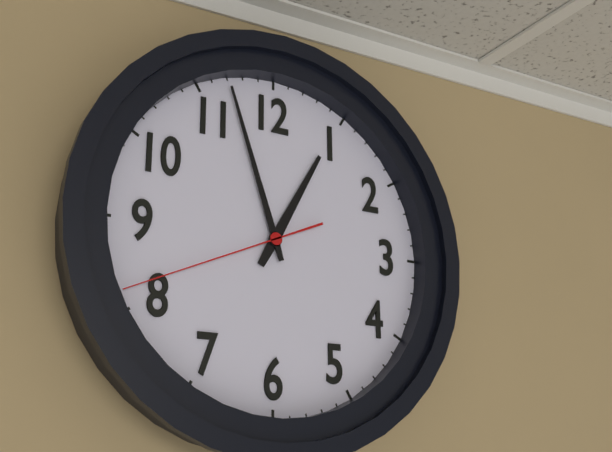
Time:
12:57:41
